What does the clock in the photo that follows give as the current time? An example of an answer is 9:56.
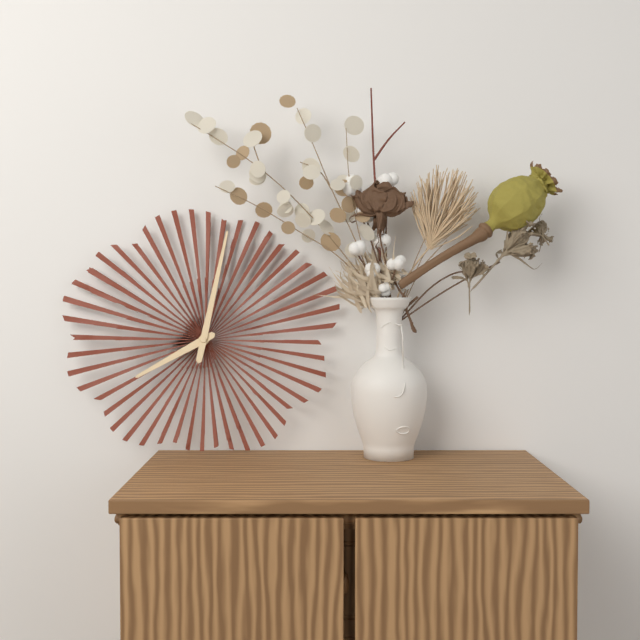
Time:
8:02
